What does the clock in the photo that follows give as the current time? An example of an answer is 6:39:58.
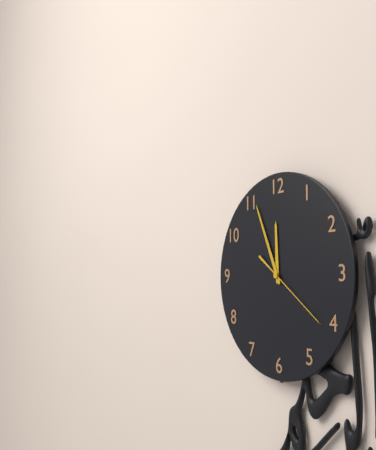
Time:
11:56:21
